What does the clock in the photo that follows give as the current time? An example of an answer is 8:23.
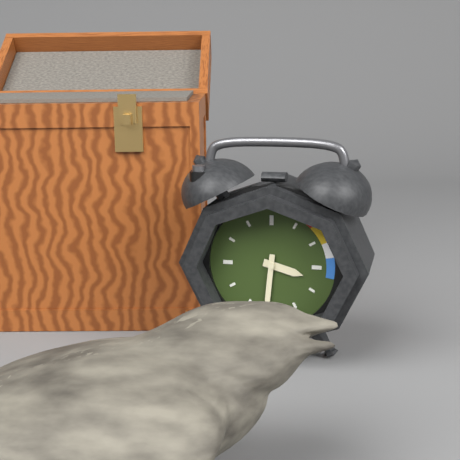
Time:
3:31
